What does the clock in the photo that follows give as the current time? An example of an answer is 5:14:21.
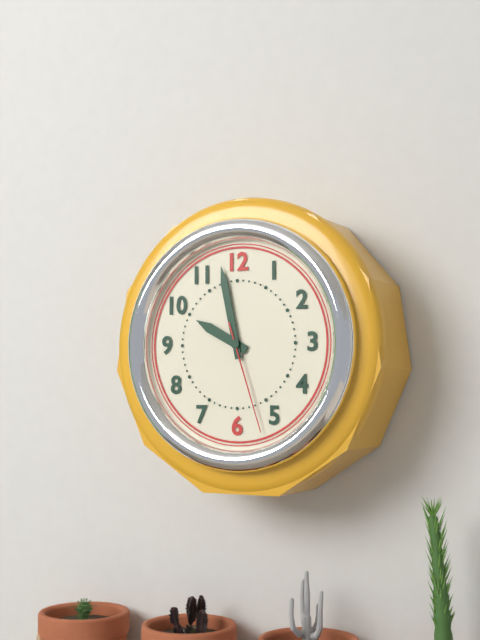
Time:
9:58:27
